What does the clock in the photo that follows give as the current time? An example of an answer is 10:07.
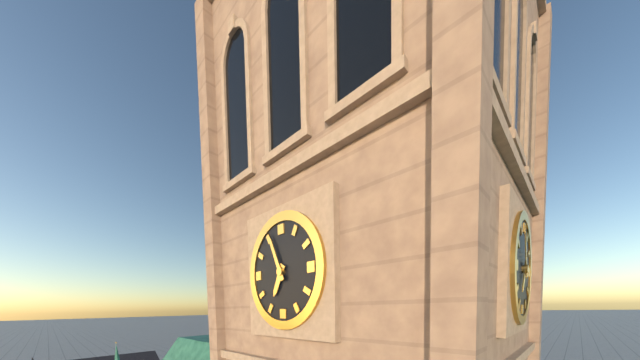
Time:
6:56
